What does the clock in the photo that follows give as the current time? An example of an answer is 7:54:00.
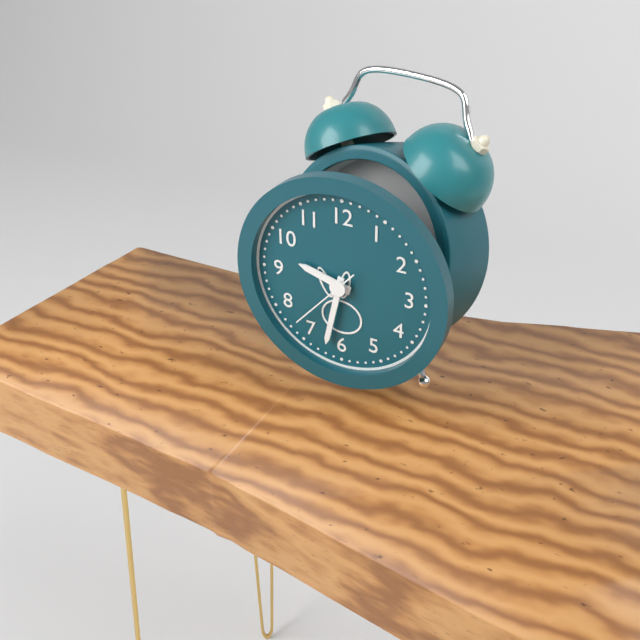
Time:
9:32:37
